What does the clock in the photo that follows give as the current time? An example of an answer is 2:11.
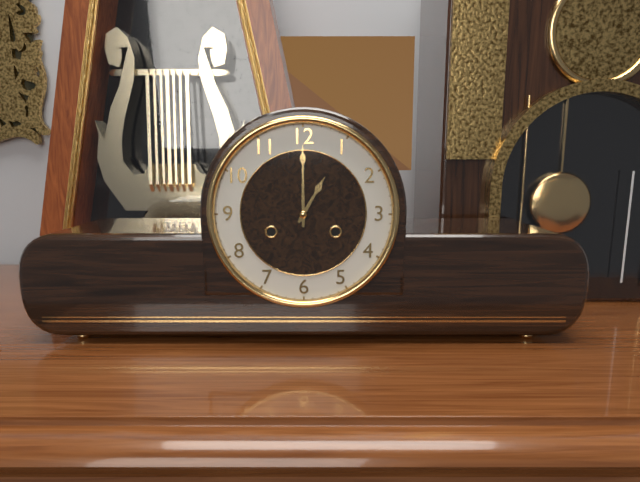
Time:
1:00
